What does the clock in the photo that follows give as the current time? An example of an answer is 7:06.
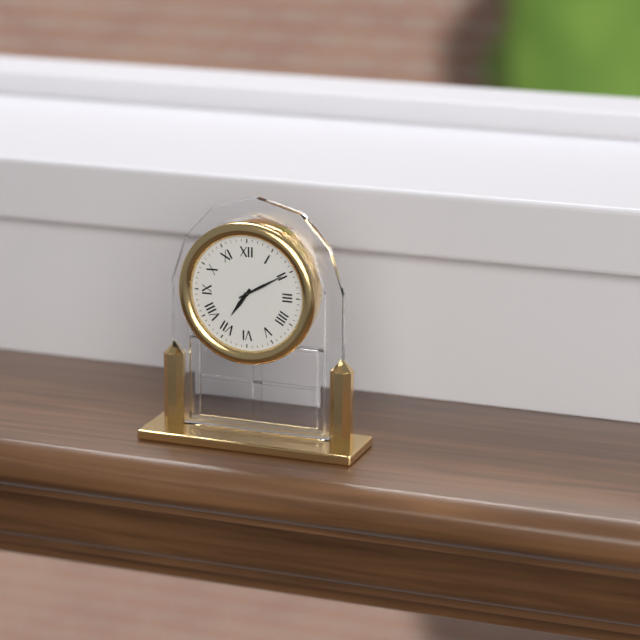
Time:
7:10
